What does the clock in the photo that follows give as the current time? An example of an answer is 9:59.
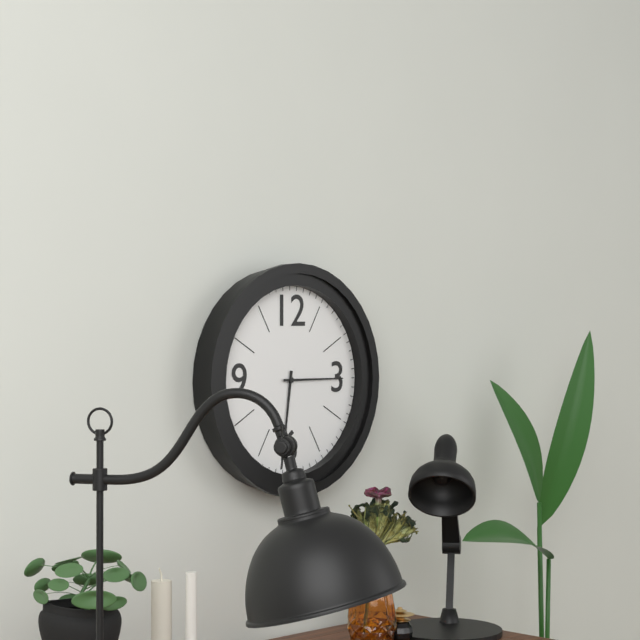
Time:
6:15
